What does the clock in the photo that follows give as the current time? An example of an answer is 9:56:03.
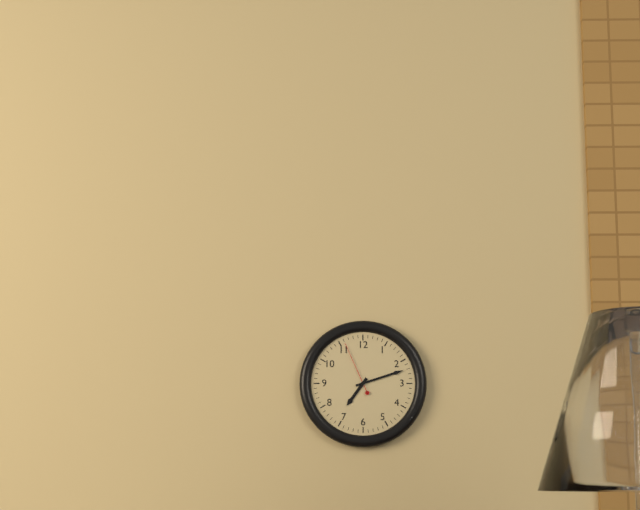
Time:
7:12:56
